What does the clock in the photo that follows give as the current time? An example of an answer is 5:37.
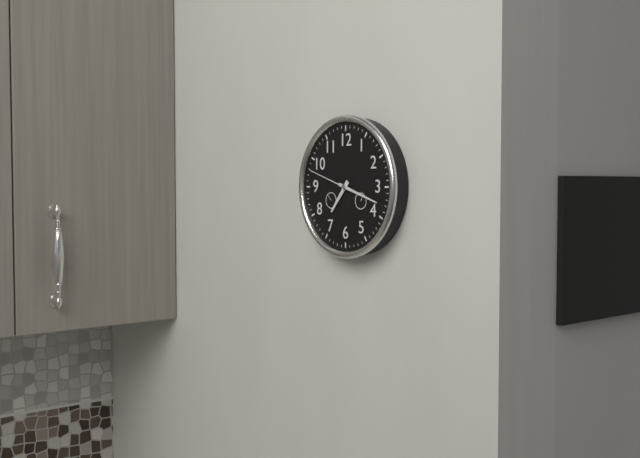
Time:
7:18
